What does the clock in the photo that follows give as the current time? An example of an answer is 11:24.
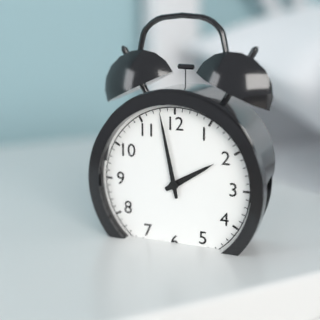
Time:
1:58
